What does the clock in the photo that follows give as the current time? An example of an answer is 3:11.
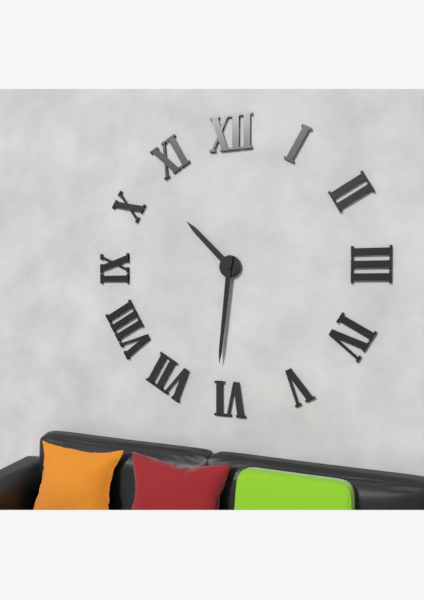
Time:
10:31
